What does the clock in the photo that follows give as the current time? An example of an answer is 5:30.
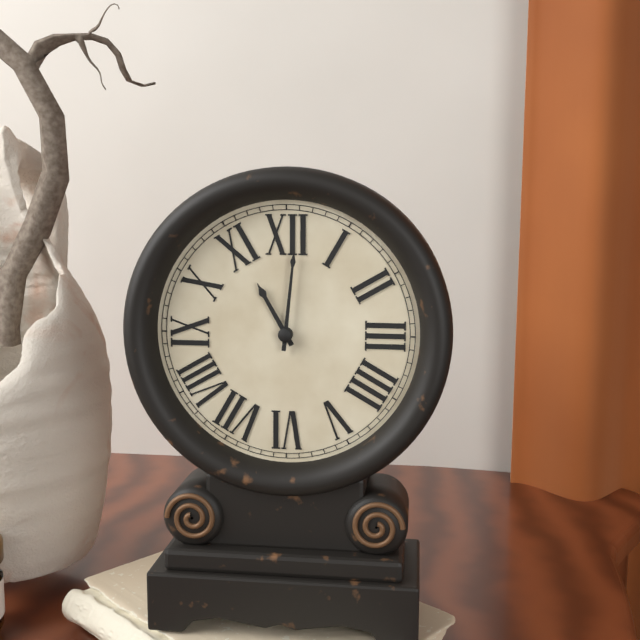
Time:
11:01
